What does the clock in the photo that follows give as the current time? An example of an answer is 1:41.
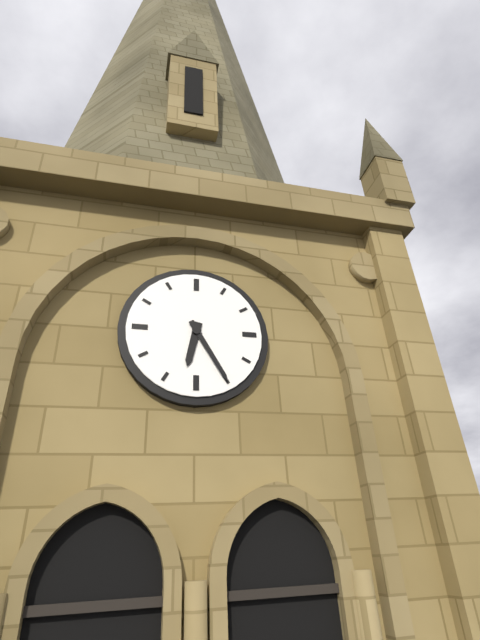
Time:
6:25
